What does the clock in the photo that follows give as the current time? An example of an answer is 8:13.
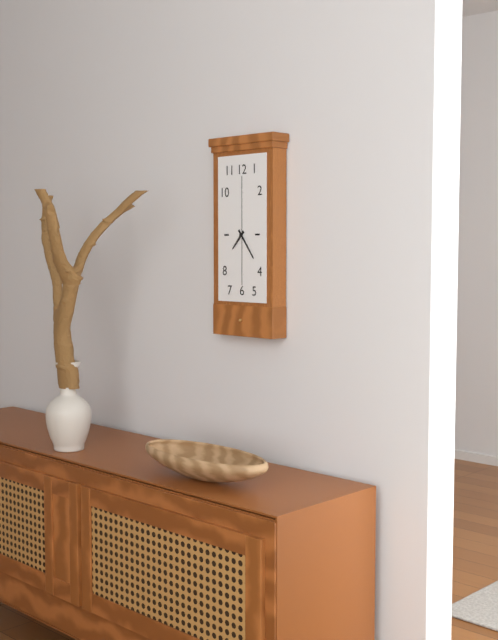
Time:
7:24
